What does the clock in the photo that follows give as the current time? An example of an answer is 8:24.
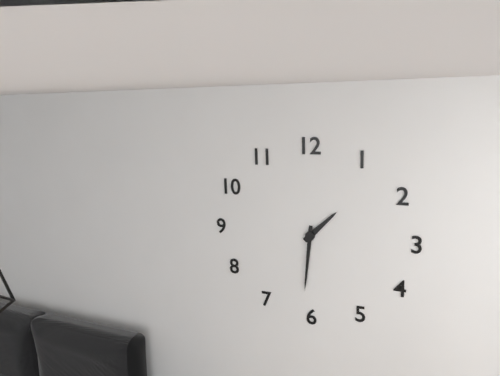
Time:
1:31
